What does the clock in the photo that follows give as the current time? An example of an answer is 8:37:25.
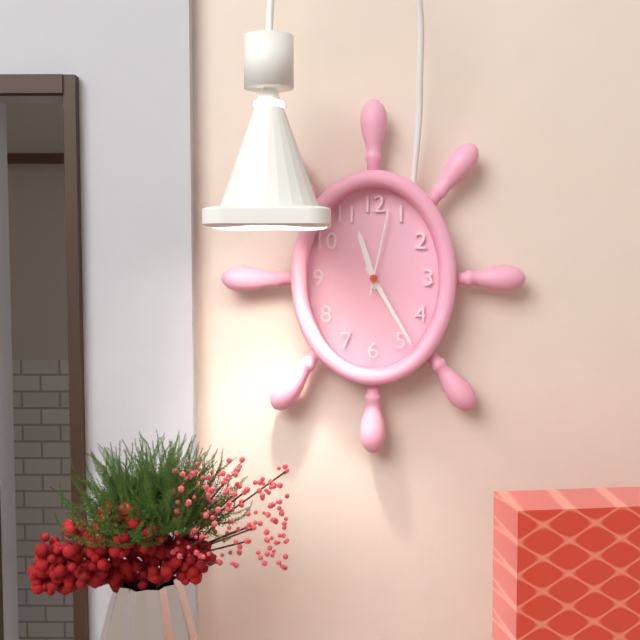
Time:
11:25:02
